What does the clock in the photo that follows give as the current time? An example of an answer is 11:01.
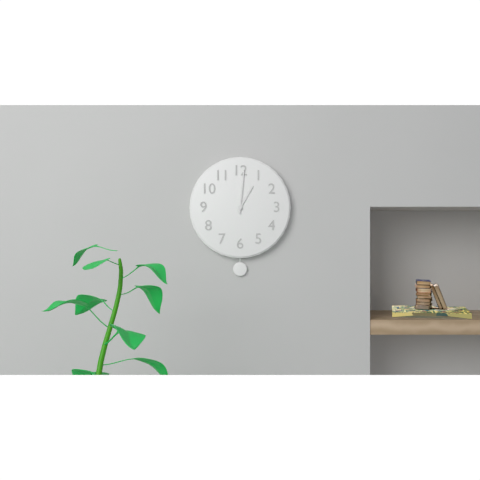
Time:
1:01
